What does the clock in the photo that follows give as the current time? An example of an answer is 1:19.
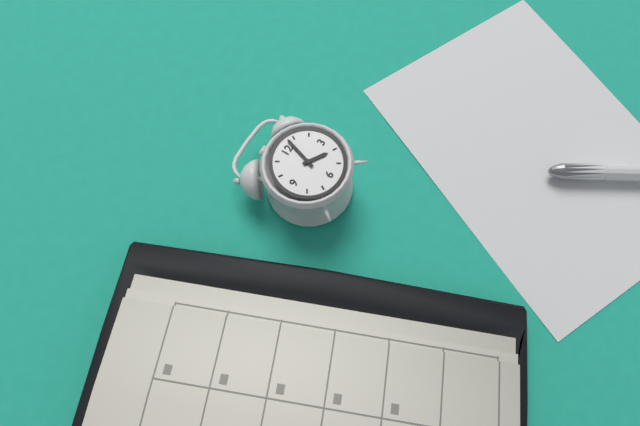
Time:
4:03
